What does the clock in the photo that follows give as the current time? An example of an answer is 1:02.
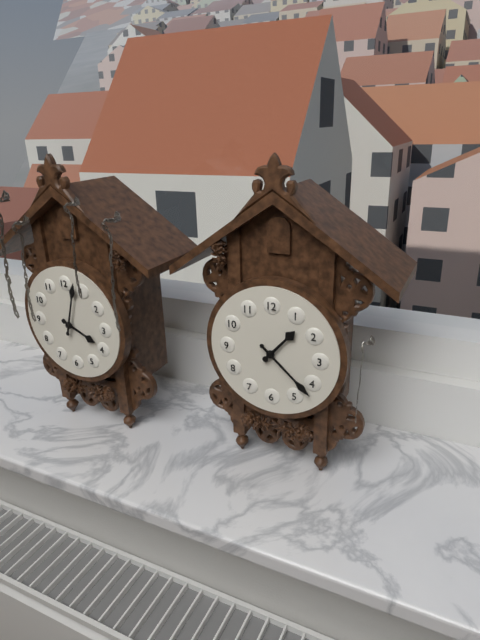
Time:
1:22
